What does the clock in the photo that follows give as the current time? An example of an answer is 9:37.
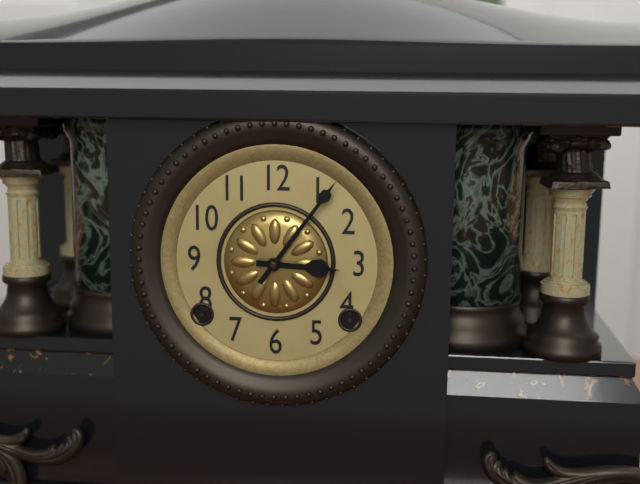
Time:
3:06
